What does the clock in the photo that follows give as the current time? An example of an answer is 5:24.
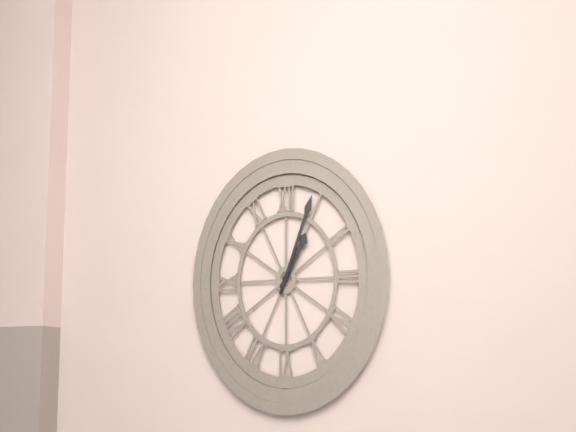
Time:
1:04
